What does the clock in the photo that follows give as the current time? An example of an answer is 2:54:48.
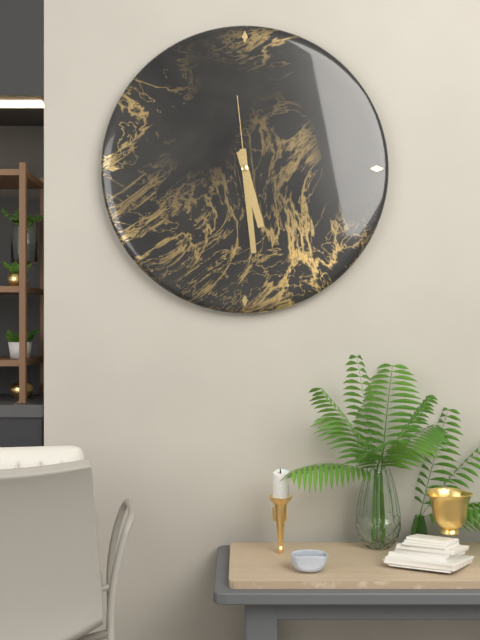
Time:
5:29:59
